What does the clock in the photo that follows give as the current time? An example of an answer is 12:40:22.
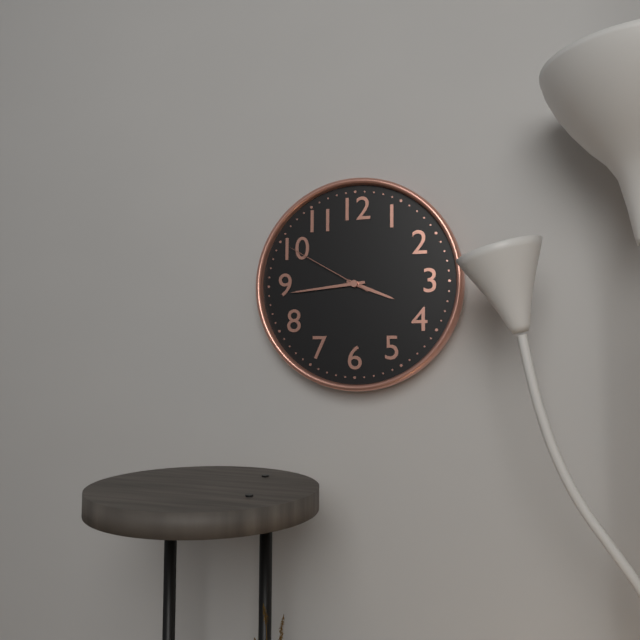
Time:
3:44:50
